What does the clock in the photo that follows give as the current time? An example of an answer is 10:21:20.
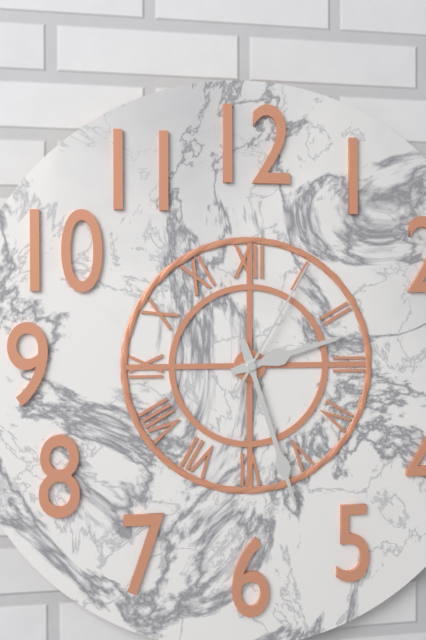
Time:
2:27:05
